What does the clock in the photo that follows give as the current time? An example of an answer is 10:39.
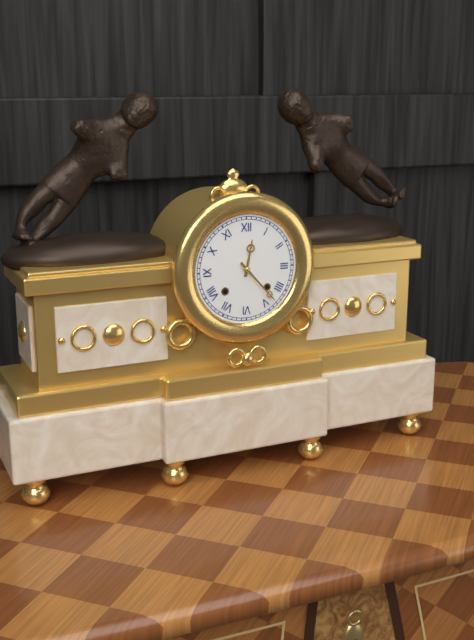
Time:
12:23
